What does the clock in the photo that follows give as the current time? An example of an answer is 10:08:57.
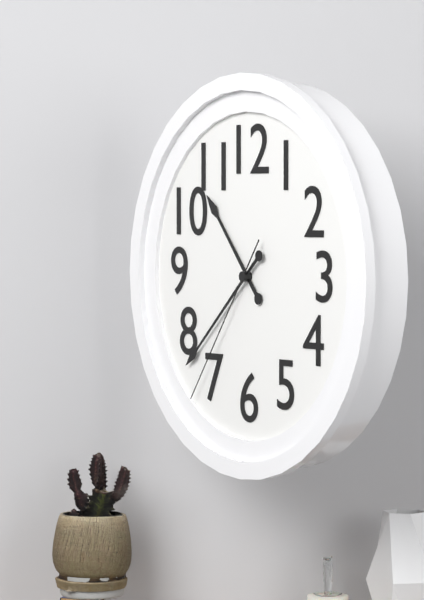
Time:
10:38:36
